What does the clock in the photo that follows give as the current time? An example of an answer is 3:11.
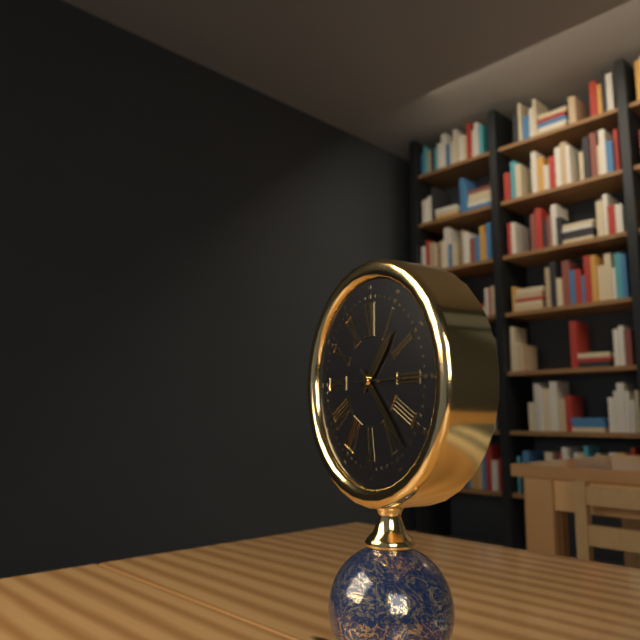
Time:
1:23
